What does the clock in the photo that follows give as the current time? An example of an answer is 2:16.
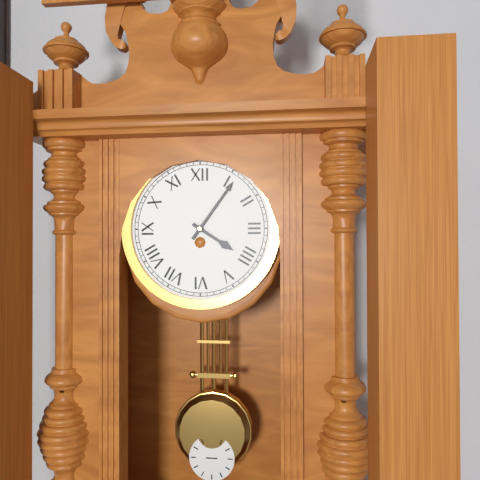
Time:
4:06
